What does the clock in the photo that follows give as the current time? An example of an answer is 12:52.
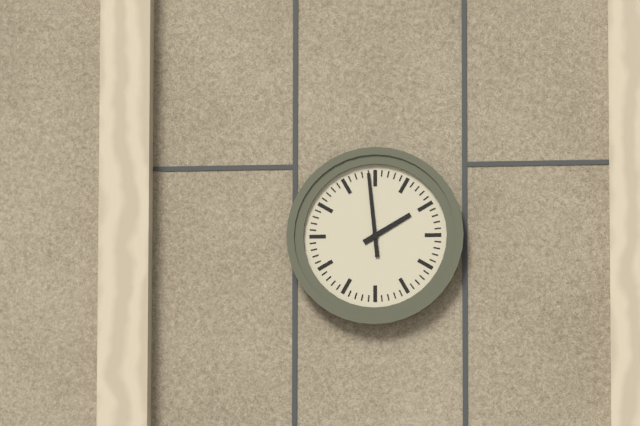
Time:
1:59
